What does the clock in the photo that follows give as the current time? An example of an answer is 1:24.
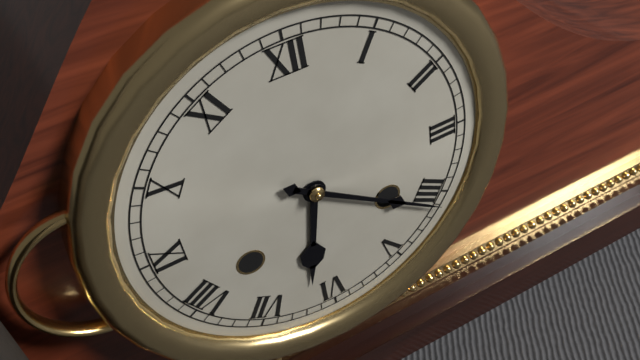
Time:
6:21
